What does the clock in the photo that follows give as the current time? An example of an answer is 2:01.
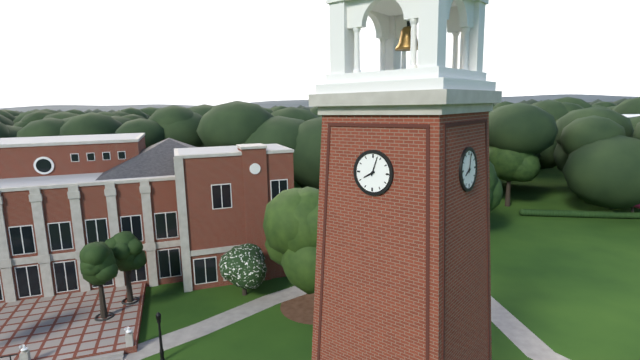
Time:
8:03
